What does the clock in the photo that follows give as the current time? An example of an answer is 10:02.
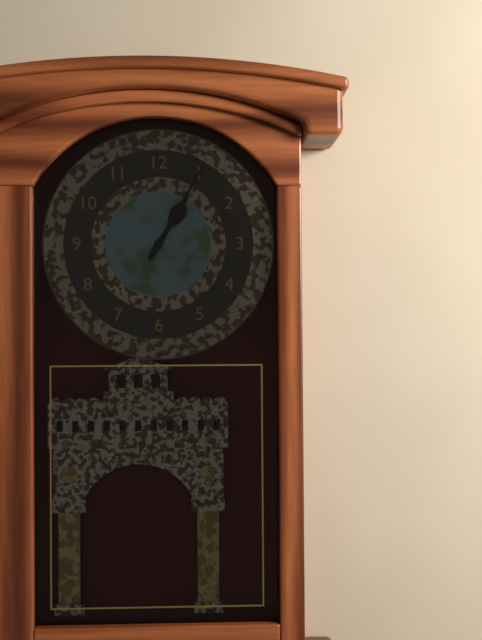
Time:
1:05
